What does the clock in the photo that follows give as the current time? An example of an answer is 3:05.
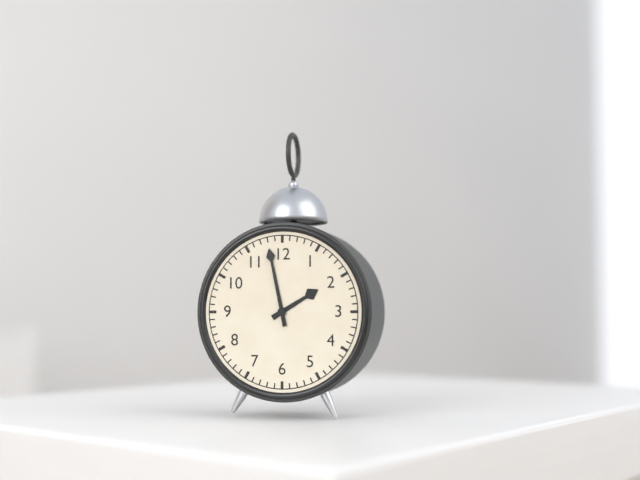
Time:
1:58
